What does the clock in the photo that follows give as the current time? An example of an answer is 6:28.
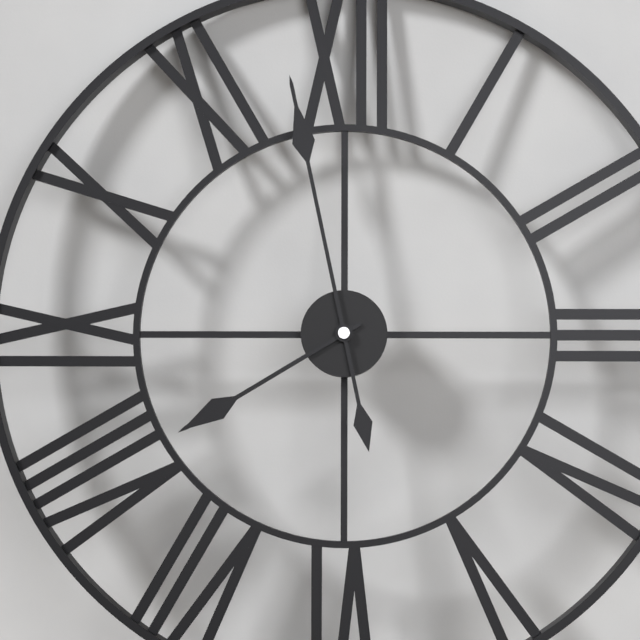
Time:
7:58
